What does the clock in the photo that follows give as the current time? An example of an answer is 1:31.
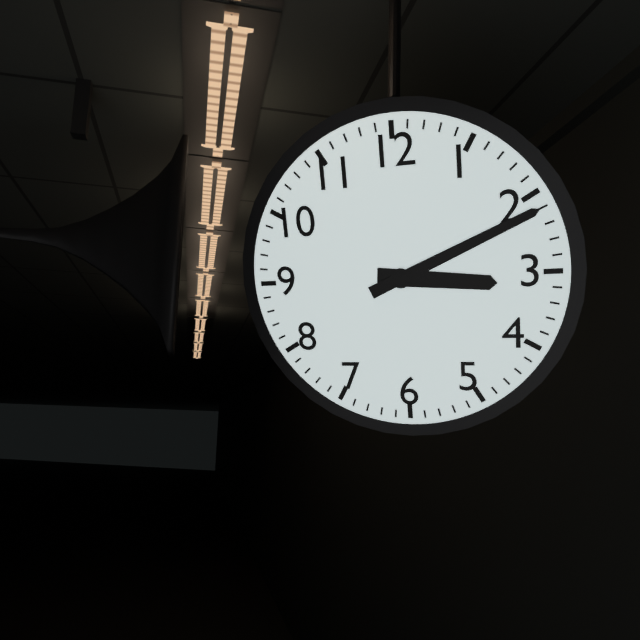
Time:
3:11
